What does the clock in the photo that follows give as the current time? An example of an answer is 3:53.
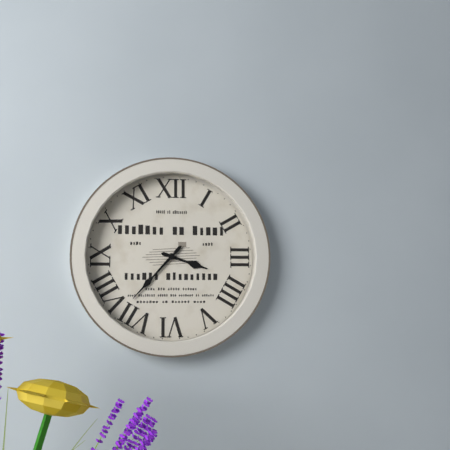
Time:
3:37
